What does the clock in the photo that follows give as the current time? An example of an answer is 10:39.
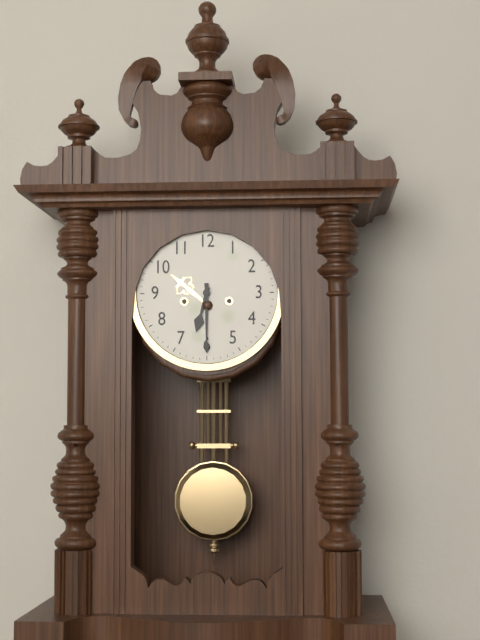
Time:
6:30
